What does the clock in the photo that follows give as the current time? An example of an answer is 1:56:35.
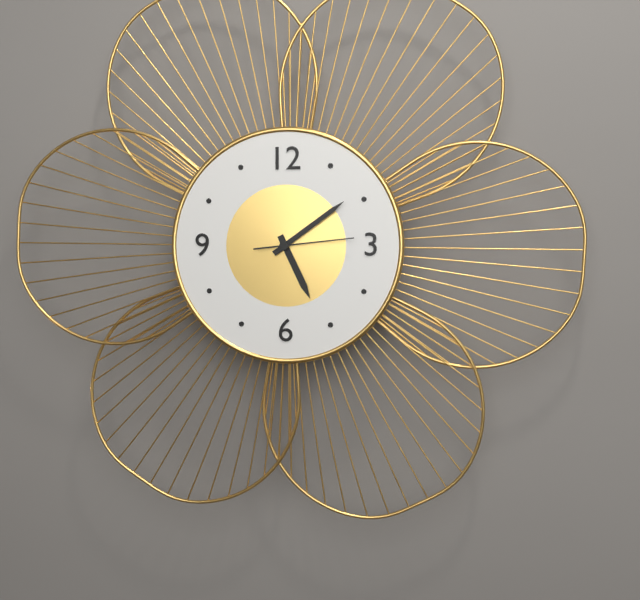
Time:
5:09:14
